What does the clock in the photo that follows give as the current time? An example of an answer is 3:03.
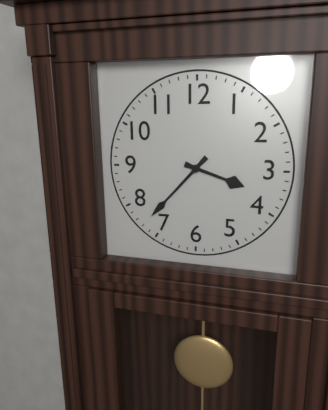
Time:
3:37
